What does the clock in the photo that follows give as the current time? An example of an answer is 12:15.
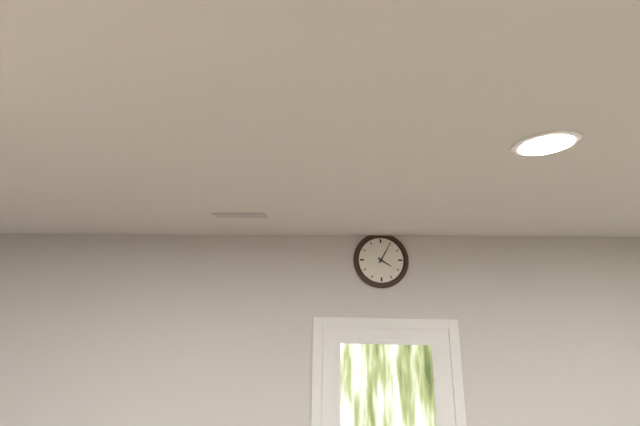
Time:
4:05
